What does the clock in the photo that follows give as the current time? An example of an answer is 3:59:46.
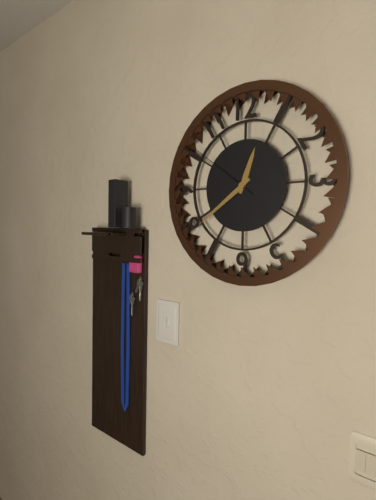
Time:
12:39:51
